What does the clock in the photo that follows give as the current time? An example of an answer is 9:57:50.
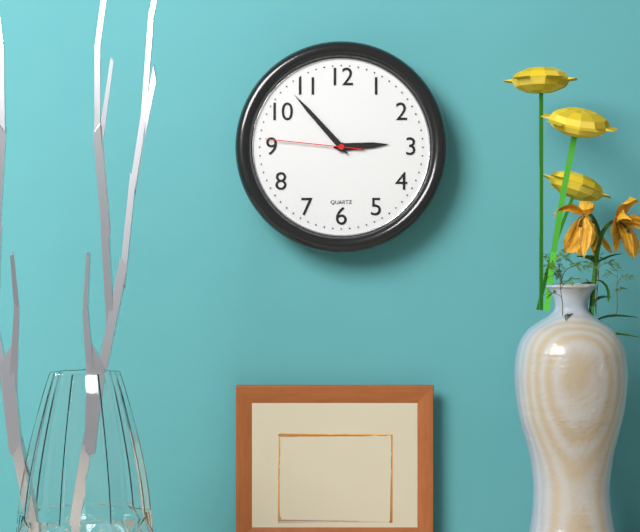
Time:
2:53:46
